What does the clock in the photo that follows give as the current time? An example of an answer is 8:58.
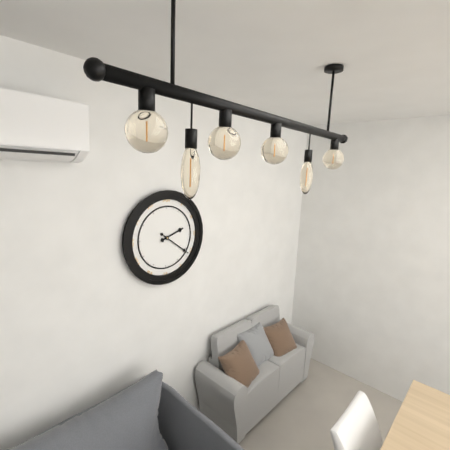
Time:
2:21
